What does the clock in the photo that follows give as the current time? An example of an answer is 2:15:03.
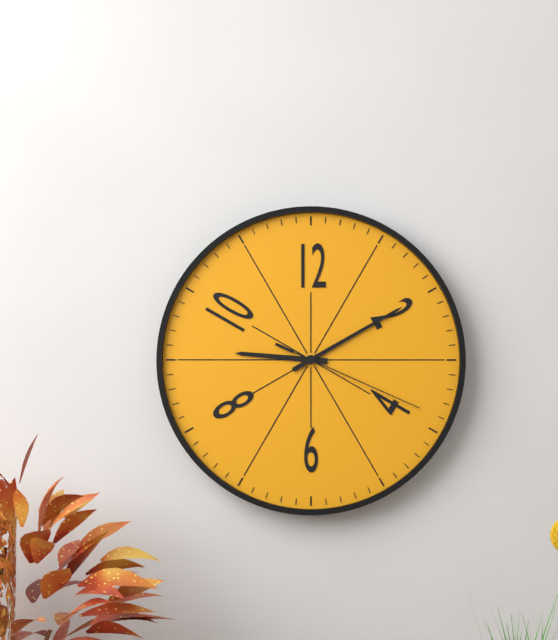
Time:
9:10:19
